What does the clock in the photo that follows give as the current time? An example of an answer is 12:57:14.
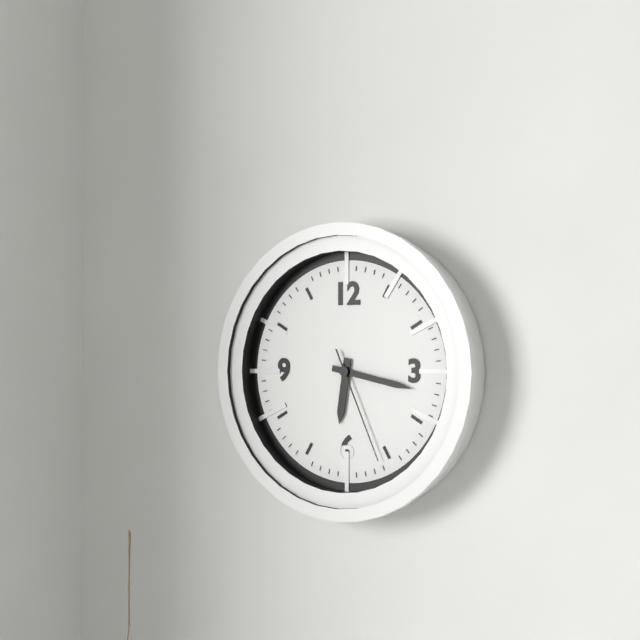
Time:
6:17:26
